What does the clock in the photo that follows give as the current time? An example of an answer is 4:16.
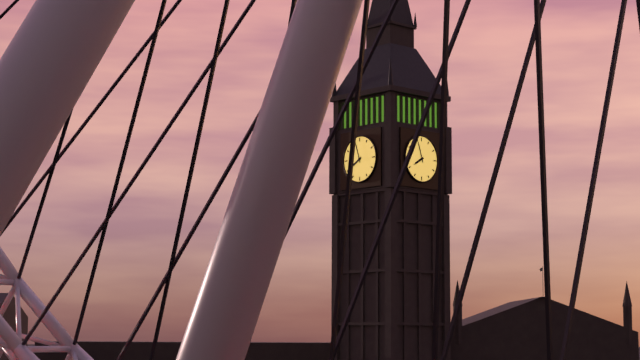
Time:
7:57
